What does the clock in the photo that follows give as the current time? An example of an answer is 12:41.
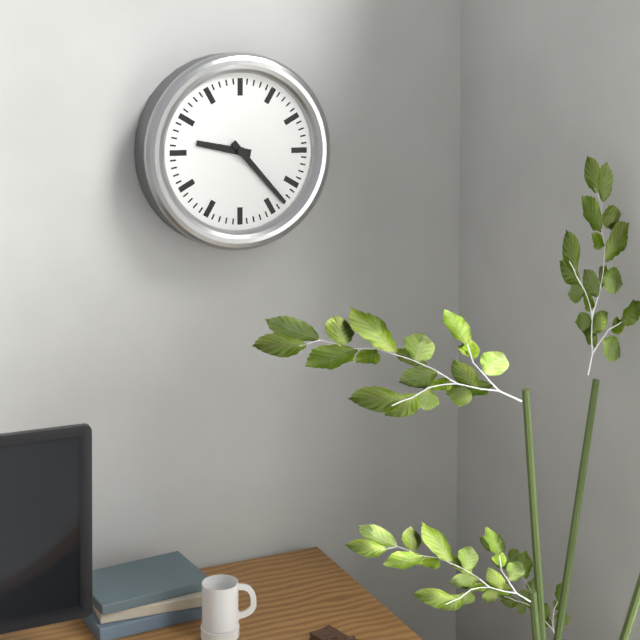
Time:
9:23
